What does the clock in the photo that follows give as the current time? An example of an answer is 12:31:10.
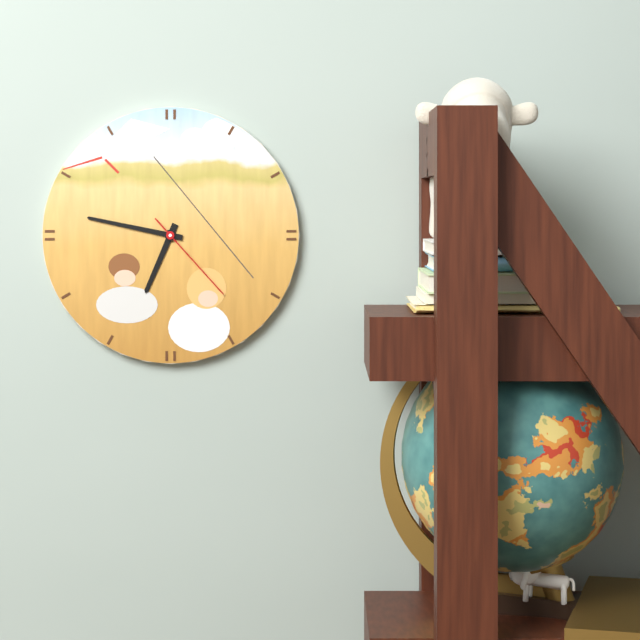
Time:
6:47:23
